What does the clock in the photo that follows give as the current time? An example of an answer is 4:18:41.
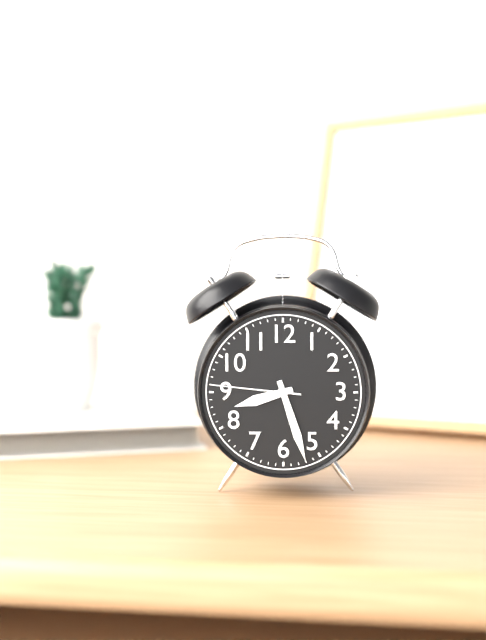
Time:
8:27:46
